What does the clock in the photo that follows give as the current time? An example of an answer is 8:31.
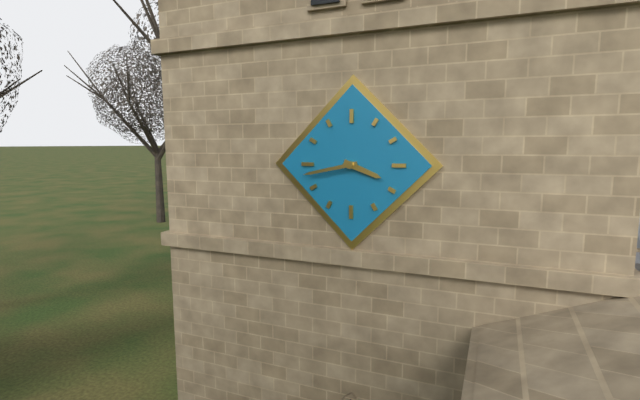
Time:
3:43
